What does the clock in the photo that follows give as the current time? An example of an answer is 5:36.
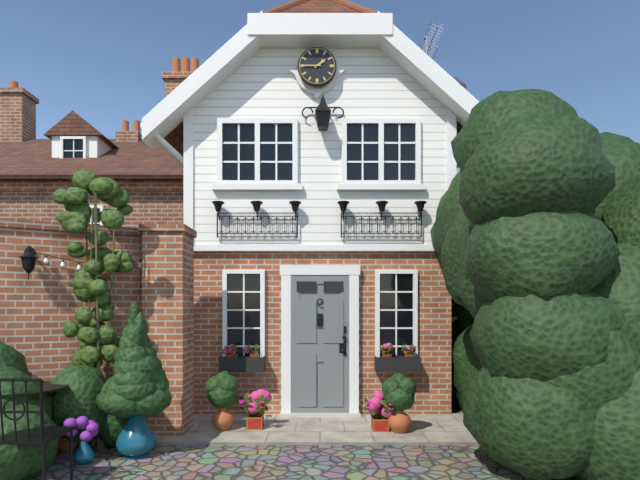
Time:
1:45
